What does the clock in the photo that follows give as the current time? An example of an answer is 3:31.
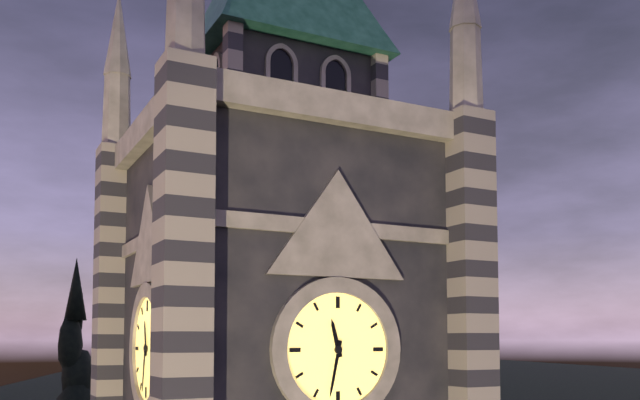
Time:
11:32
